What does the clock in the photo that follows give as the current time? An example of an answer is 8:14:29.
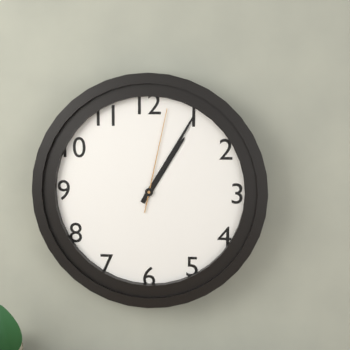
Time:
1:05:02
